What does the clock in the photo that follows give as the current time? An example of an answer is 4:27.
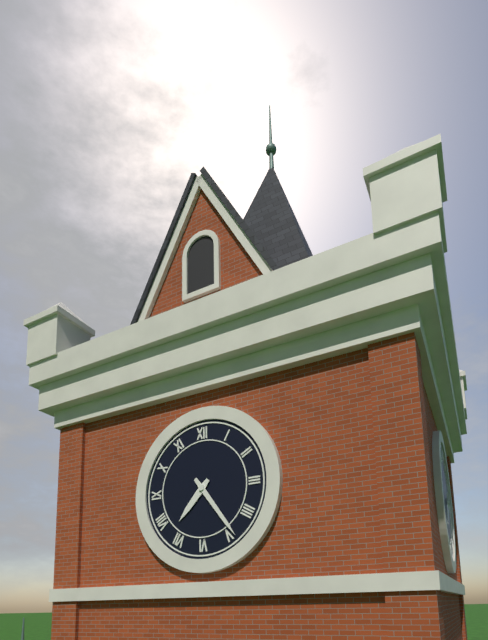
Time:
7:24
